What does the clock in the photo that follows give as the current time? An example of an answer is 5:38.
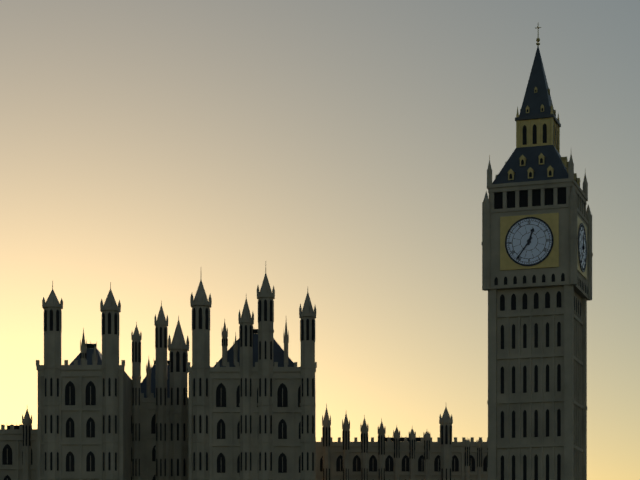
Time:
12:36
